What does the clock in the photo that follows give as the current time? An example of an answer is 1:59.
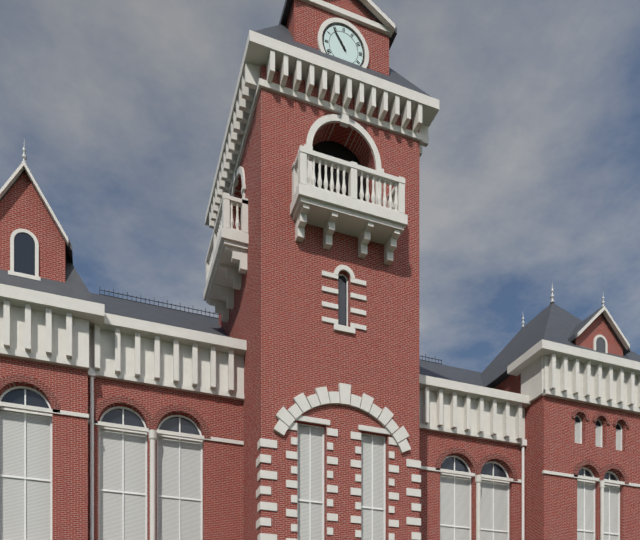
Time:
10:54
